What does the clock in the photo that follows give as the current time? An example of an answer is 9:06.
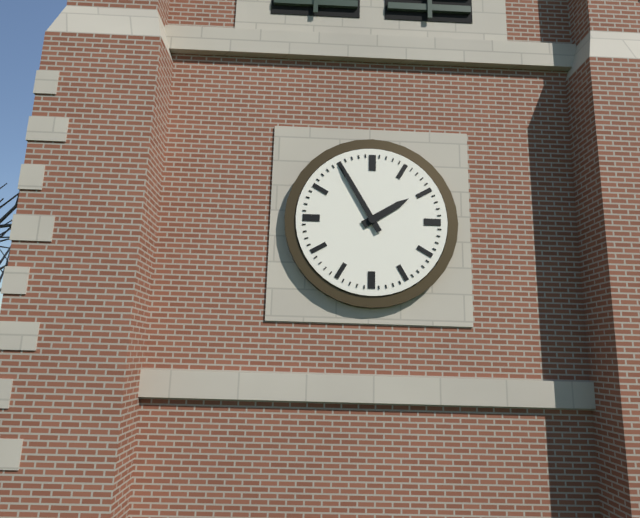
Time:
1:55
